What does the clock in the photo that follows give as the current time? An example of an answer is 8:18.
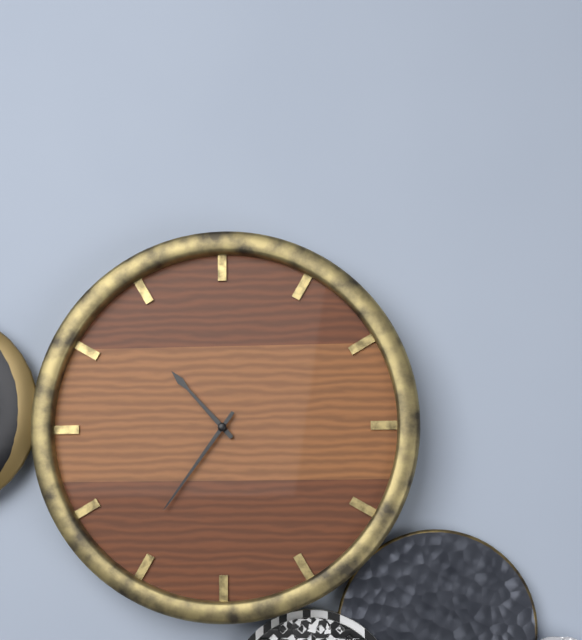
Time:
10:36
